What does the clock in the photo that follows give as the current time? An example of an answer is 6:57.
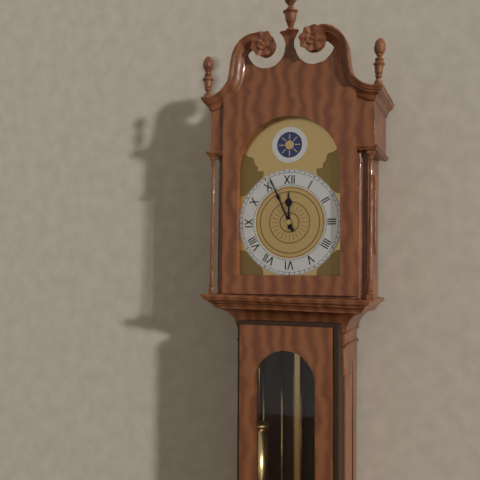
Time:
11:56
